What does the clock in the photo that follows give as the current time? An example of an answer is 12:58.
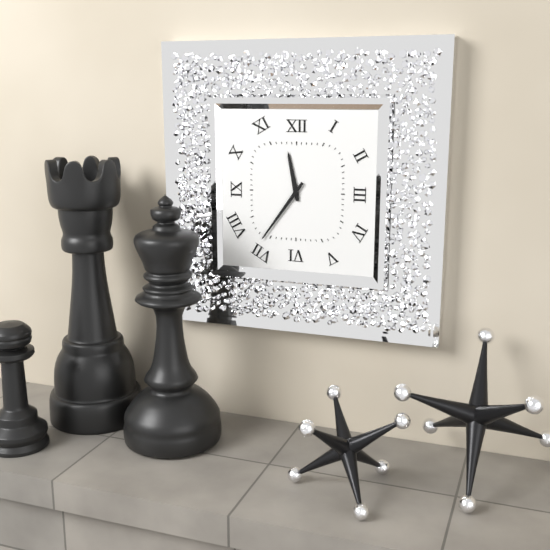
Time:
11:36
